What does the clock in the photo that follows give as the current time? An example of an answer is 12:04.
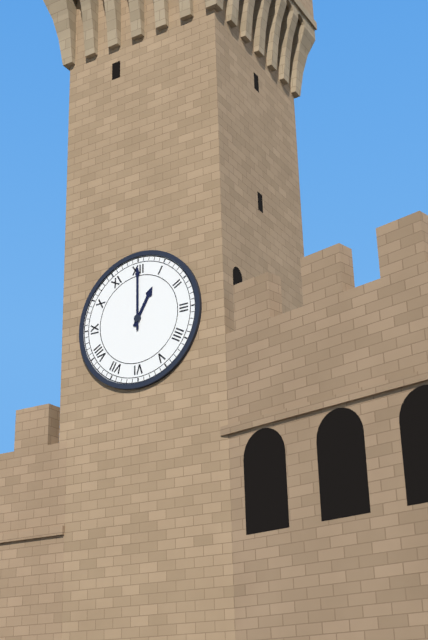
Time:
1:00
